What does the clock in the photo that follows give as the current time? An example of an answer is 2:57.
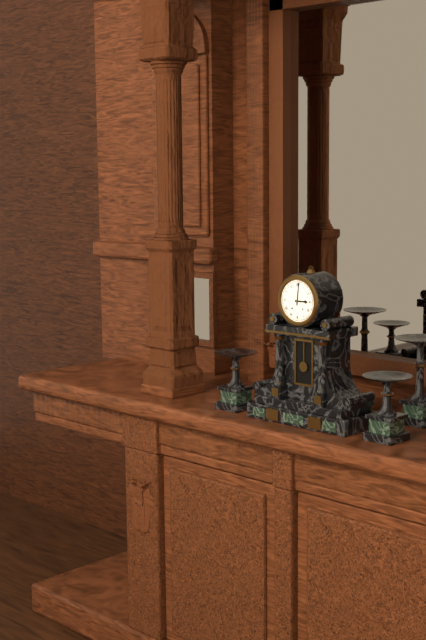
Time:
3:01
